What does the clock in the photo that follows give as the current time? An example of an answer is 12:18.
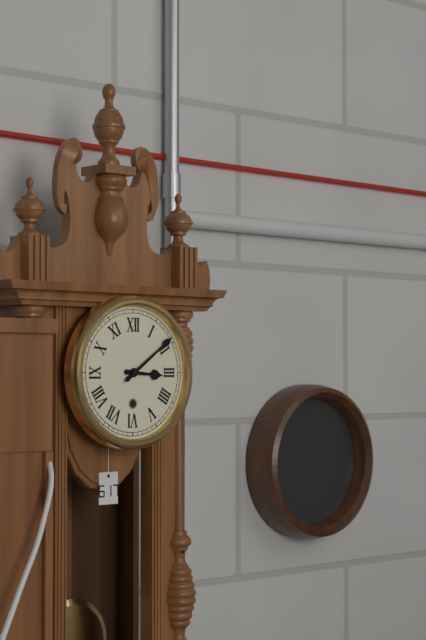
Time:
3:09
